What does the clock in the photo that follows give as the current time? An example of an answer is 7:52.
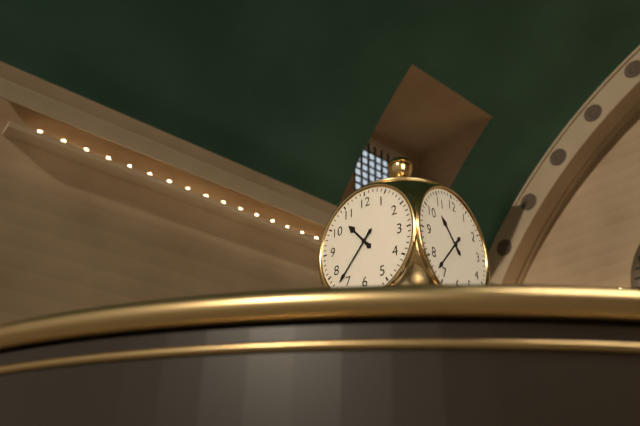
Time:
10:37
